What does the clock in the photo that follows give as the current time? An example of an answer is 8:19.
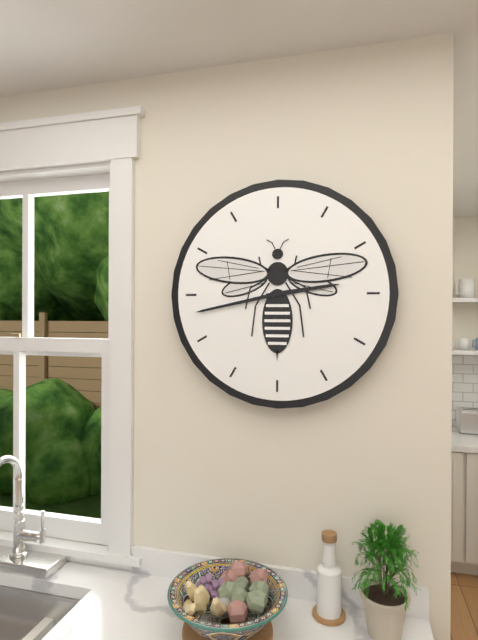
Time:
2:43
